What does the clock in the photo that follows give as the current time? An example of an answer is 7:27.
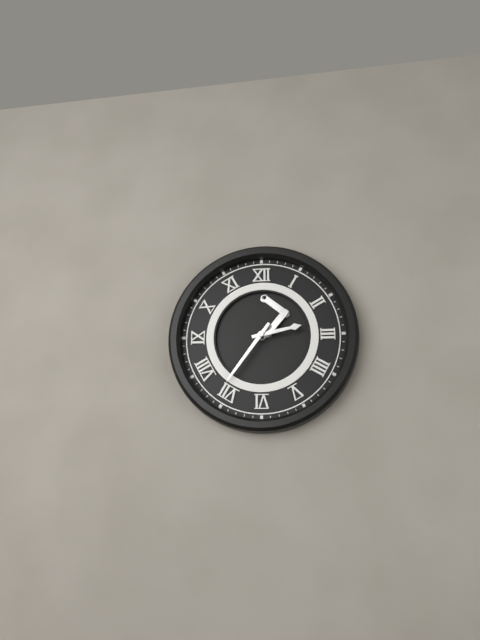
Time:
2:36
